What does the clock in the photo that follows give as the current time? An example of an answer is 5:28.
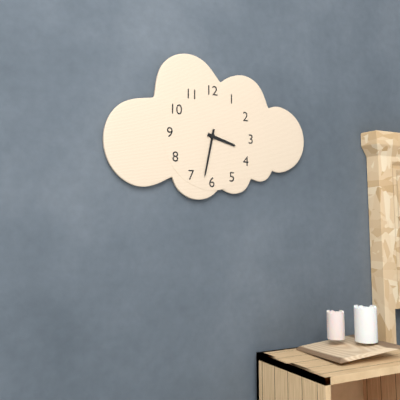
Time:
3:32
